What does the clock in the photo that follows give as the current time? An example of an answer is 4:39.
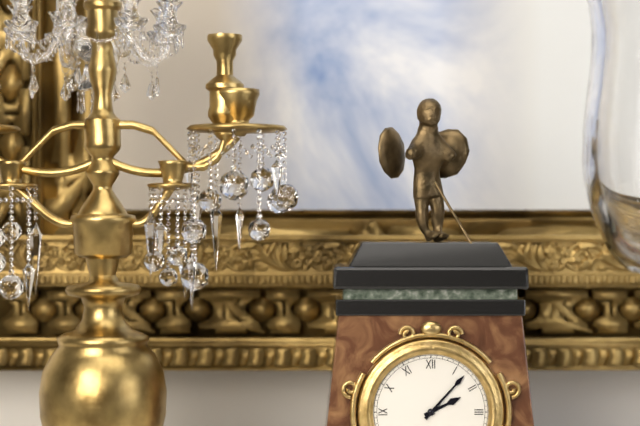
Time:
2:07
